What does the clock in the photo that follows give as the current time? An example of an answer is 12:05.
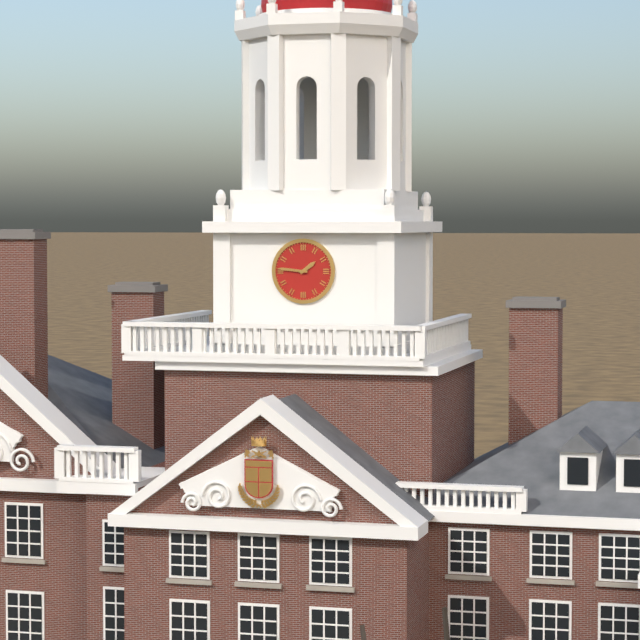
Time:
1:46
